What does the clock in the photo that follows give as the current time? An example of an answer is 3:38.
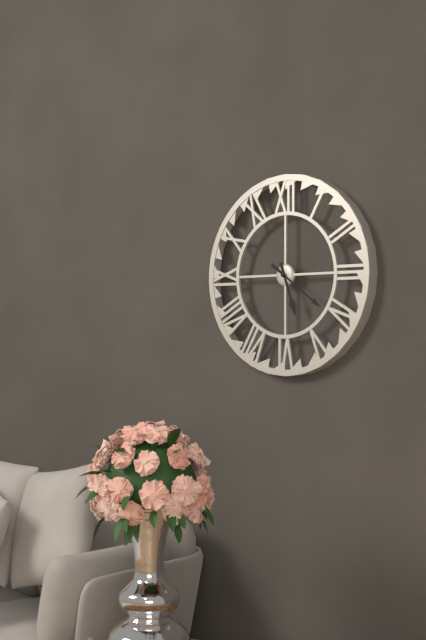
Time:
5:21
